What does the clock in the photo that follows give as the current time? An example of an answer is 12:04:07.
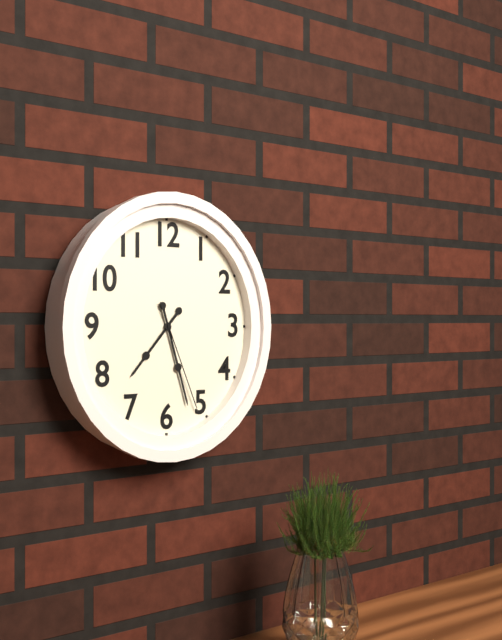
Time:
7:27:26
